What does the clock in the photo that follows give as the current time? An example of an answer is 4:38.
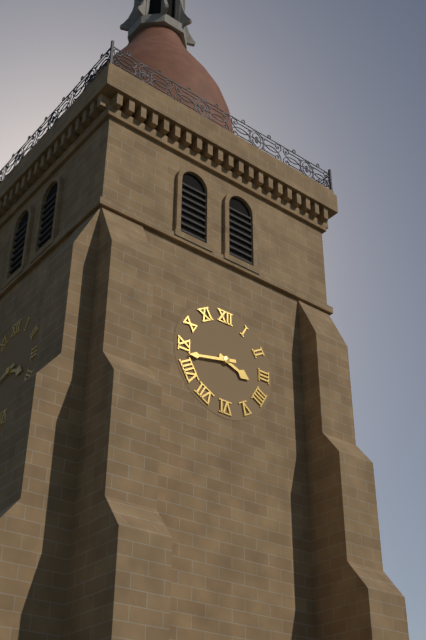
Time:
3:43
